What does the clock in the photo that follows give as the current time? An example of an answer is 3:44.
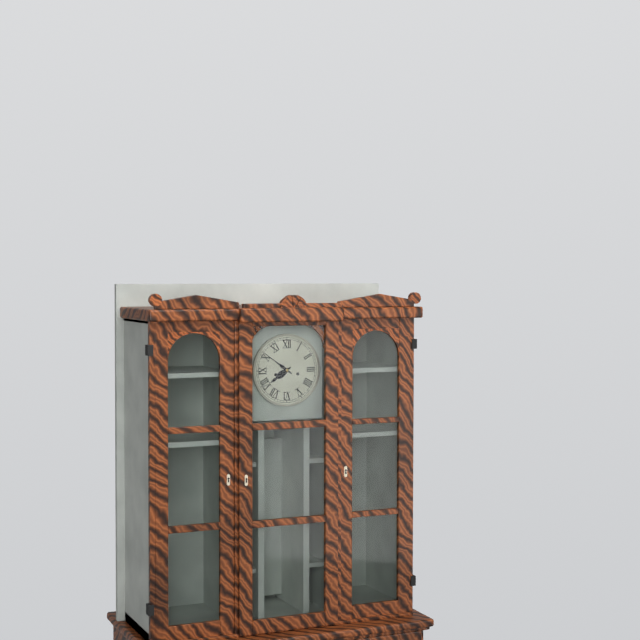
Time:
7:51
